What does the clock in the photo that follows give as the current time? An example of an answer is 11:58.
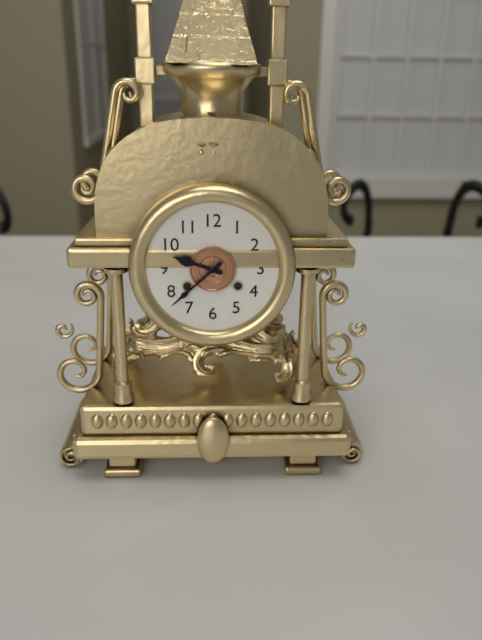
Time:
9:38
